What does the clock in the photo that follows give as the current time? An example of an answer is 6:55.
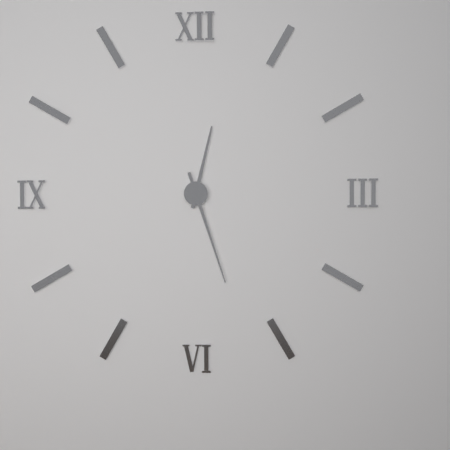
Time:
12:27
